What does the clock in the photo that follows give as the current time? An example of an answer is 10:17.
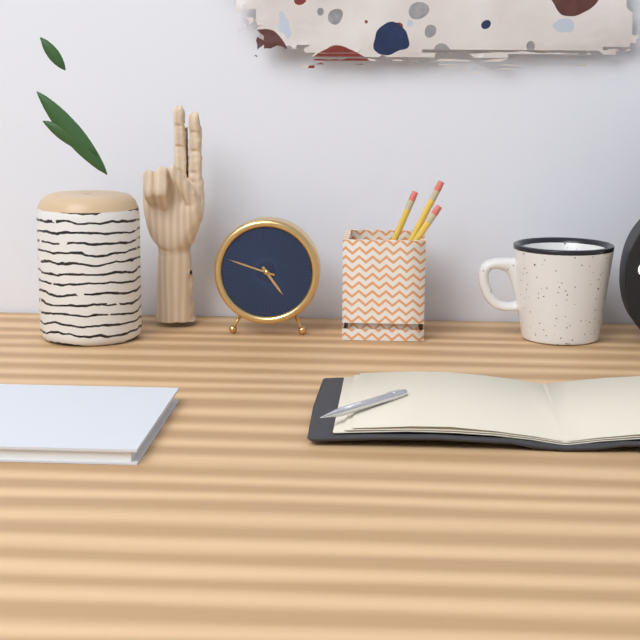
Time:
4:48
